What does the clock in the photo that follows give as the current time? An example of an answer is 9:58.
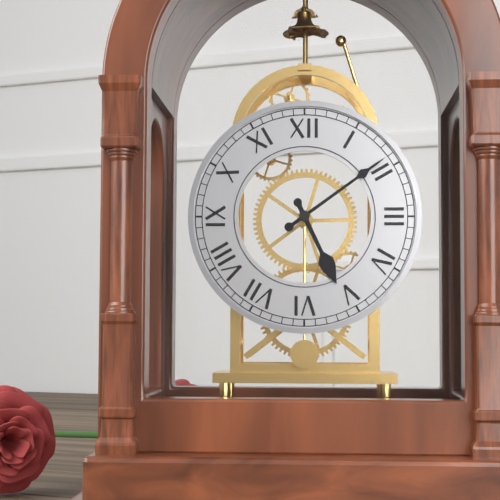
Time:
5:09
